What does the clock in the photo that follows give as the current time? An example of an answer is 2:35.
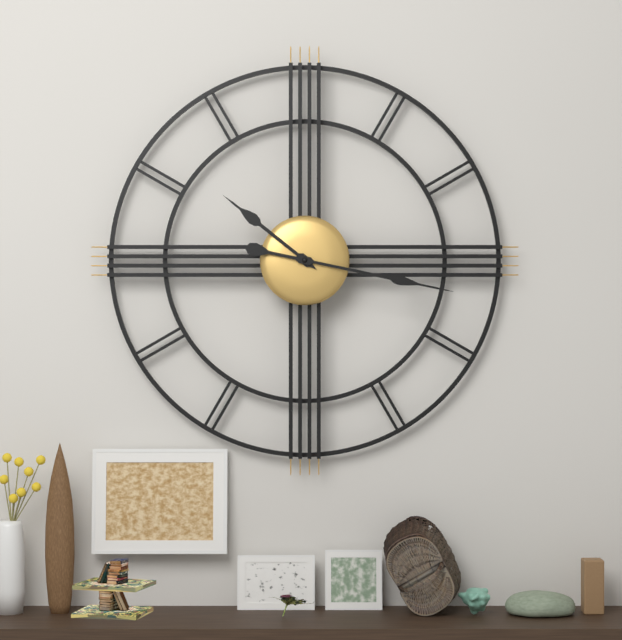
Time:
10:17
